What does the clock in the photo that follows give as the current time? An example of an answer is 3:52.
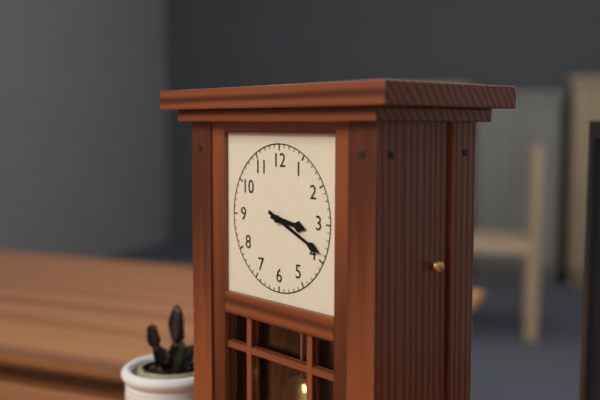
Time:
3:19
